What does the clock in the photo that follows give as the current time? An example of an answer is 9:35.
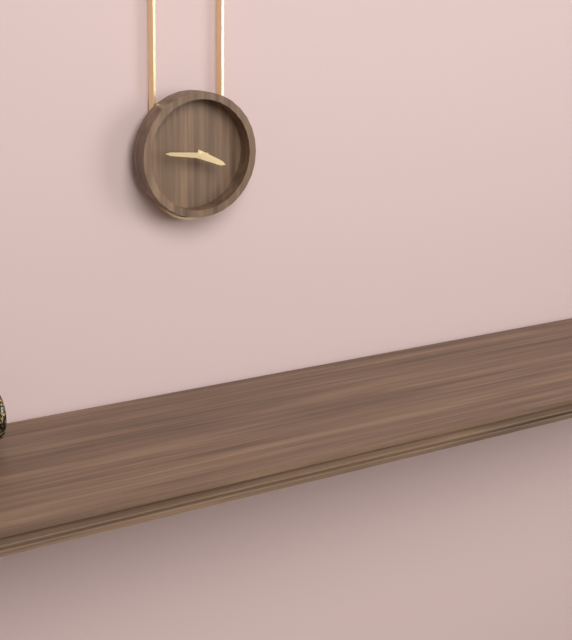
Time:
3:46
